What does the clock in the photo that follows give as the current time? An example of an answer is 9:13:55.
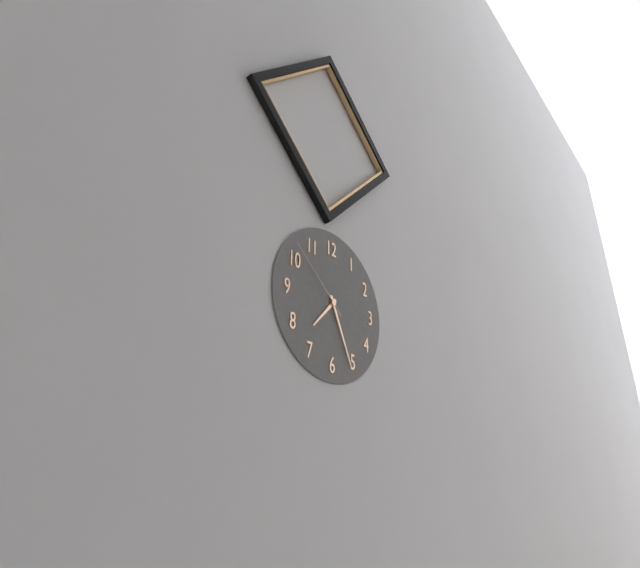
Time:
7:26:52
